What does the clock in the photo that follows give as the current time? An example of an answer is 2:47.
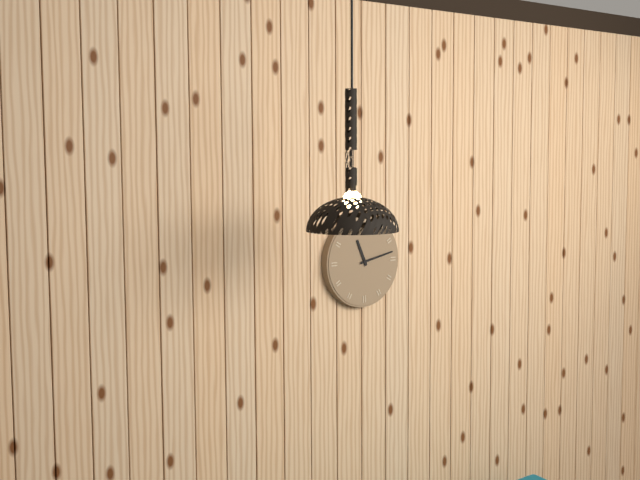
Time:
11:13
